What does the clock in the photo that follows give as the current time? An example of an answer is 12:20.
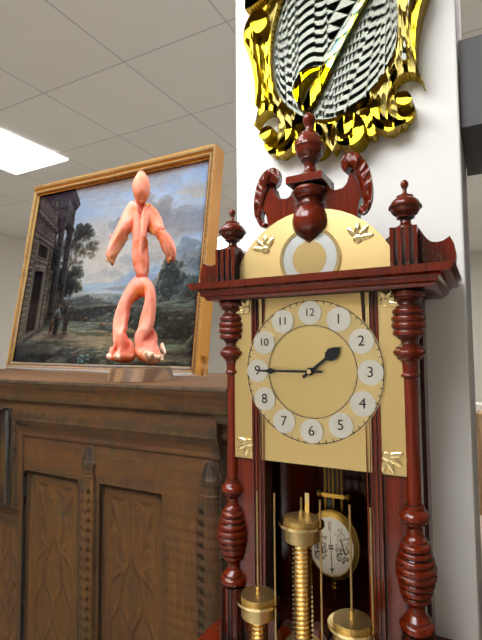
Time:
1:45
